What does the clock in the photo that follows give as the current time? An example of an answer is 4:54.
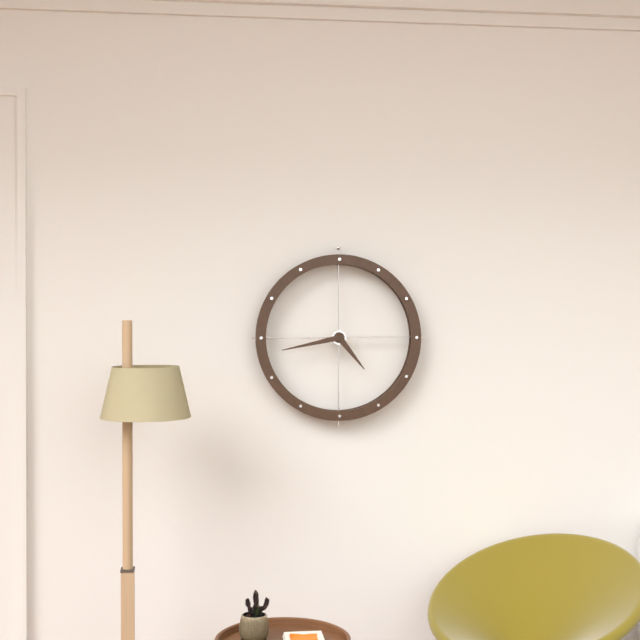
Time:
4:43
